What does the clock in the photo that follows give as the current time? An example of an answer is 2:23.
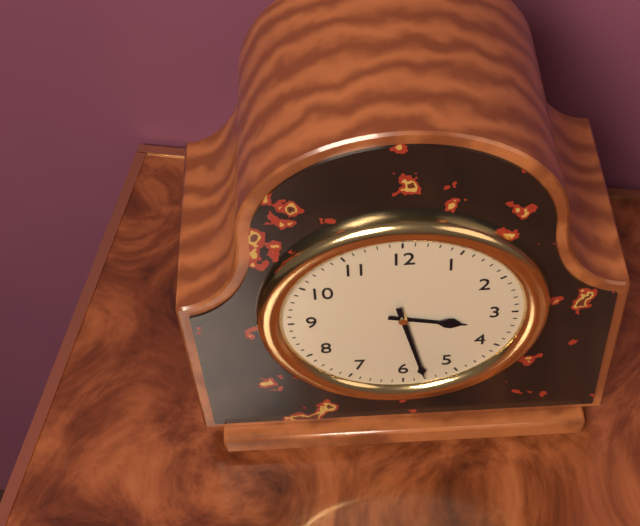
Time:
3:28
